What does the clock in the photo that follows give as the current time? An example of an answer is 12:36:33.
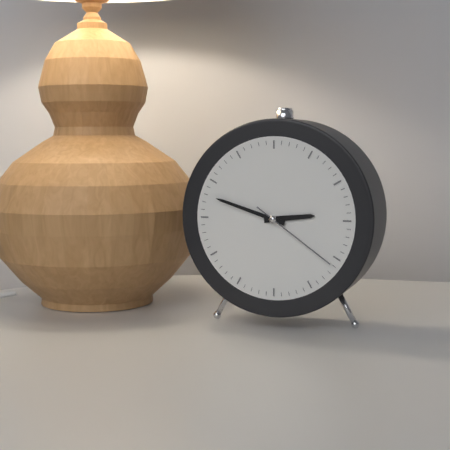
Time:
2:48:21
